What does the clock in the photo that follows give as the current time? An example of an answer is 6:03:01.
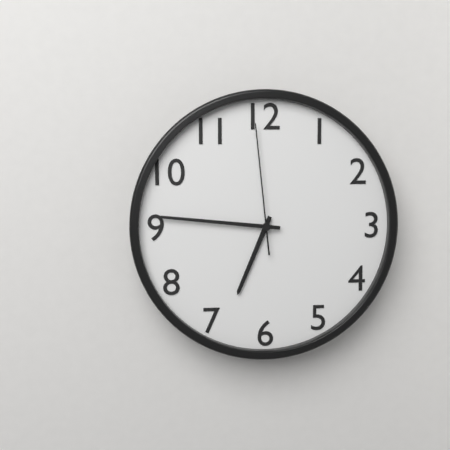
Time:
6:46:59
